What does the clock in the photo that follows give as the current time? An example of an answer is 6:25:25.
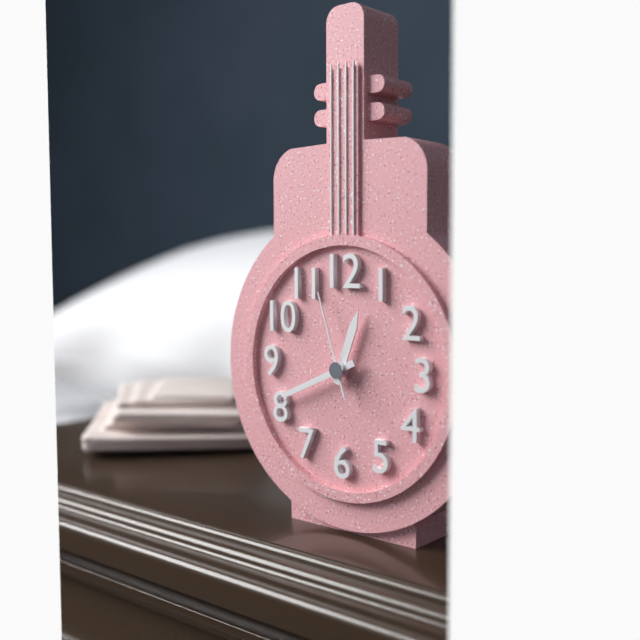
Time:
12:41:57
